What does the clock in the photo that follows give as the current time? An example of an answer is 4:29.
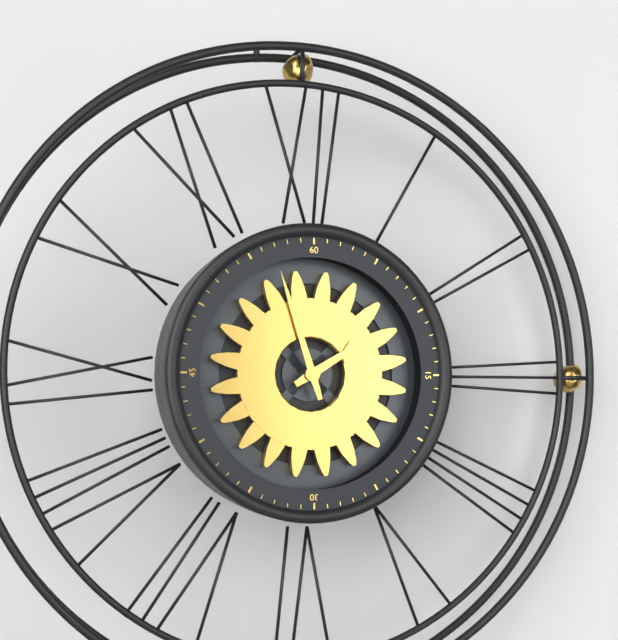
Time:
1:57
